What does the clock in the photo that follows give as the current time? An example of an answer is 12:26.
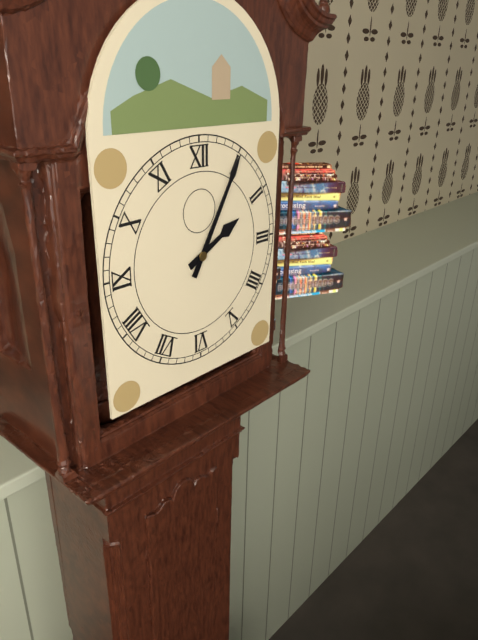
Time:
2:05
